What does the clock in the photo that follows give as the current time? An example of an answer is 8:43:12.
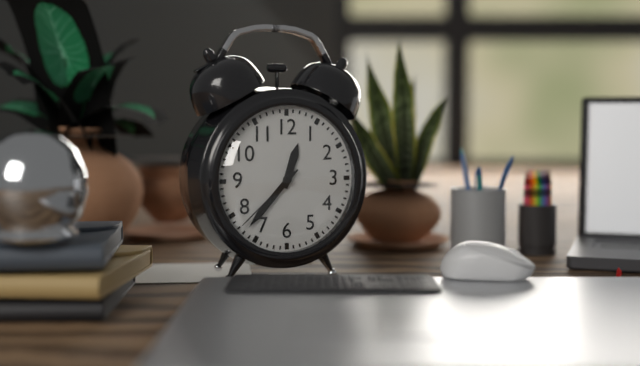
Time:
12:37:38
